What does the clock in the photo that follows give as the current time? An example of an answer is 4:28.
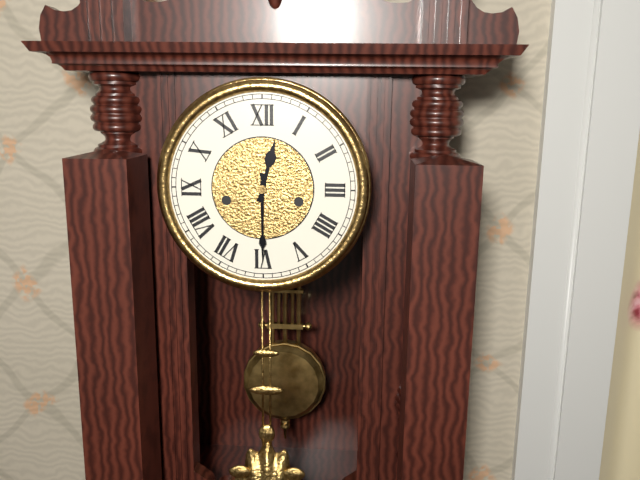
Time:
12:30
